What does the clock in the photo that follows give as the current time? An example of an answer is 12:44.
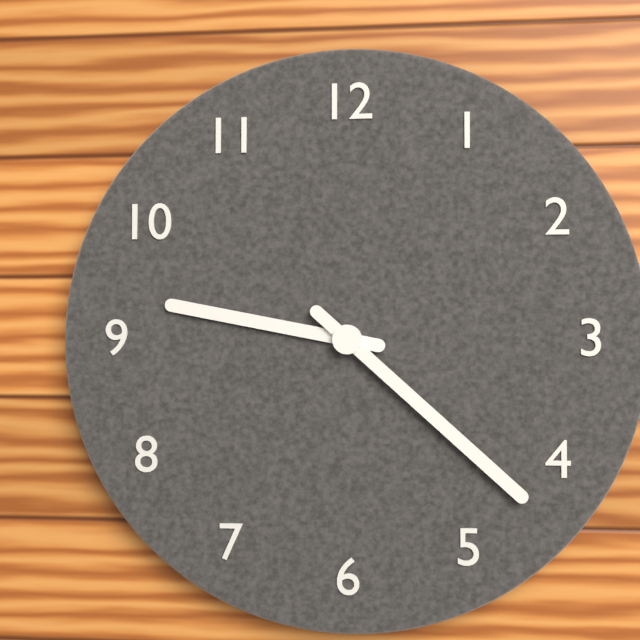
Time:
9:22
